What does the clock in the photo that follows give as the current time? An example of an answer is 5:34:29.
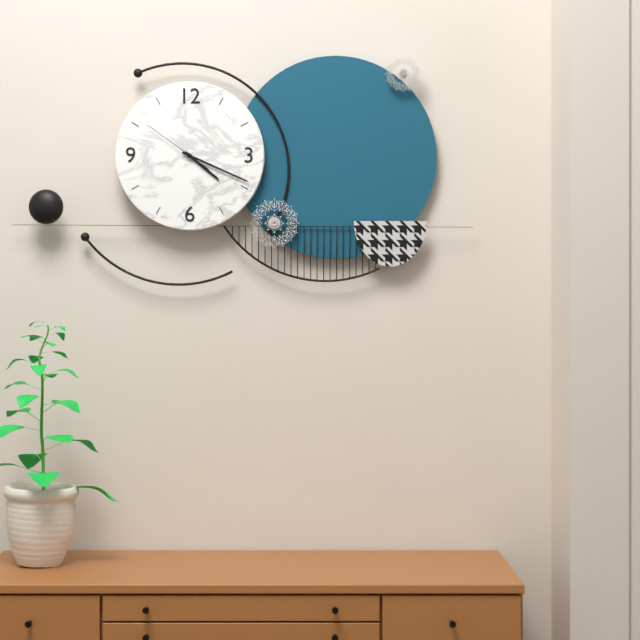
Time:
4:19:51
